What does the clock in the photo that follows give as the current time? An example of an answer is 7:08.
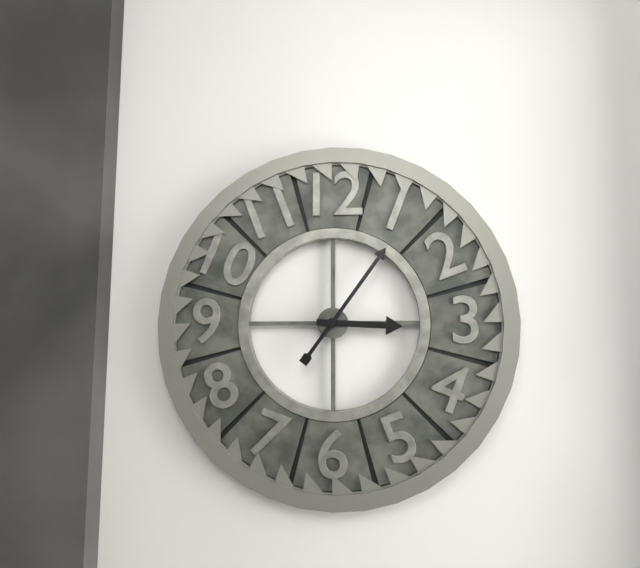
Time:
3:06
